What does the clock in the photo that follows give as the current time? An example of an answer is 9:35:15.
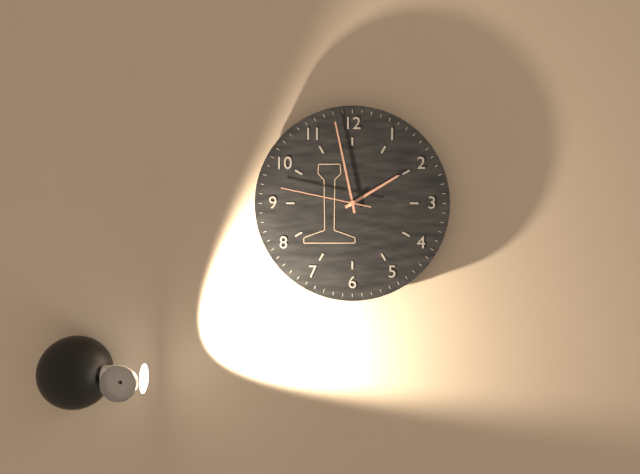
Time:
1:58:47
